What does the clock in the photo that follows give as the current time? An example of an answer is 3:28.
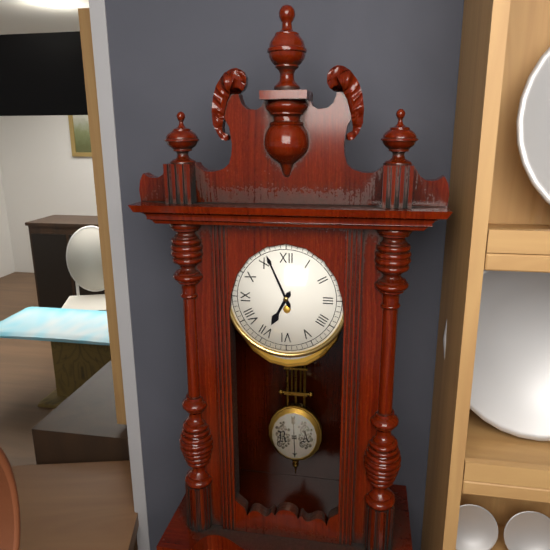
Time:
6:56
